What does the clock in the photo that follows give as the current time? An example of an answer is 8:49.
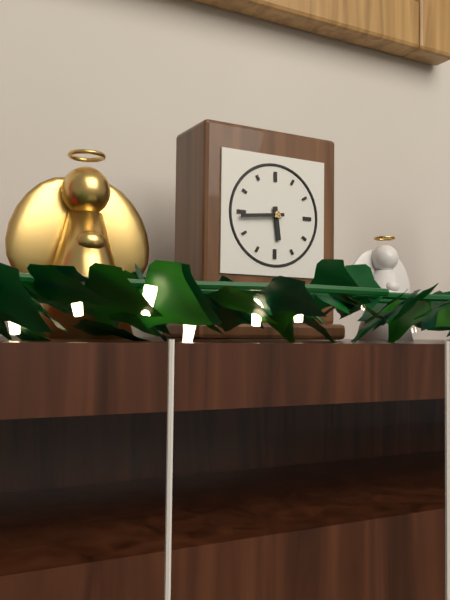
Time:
5:44
